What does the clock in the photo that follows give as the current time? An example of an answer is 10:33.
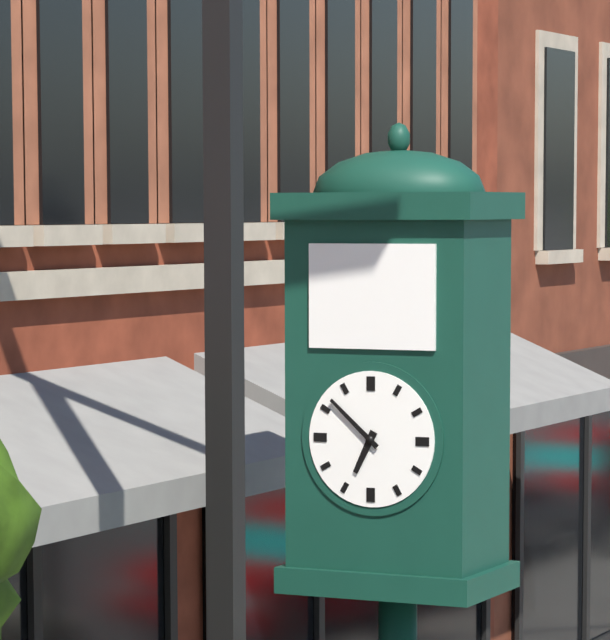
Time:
6:52
